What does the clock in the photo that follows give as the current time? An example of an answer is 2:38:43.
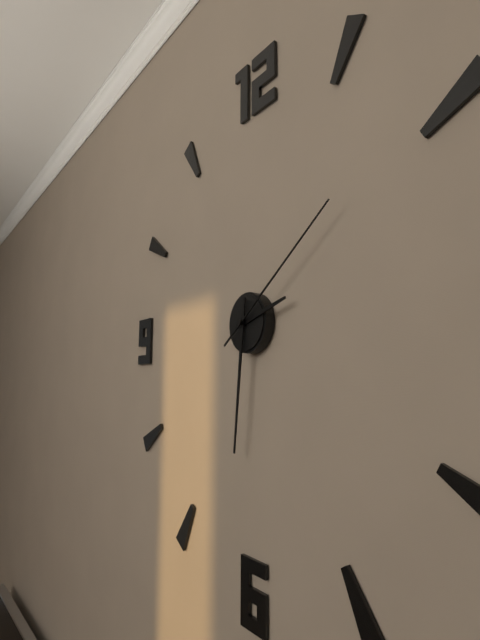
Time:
2:31:09
